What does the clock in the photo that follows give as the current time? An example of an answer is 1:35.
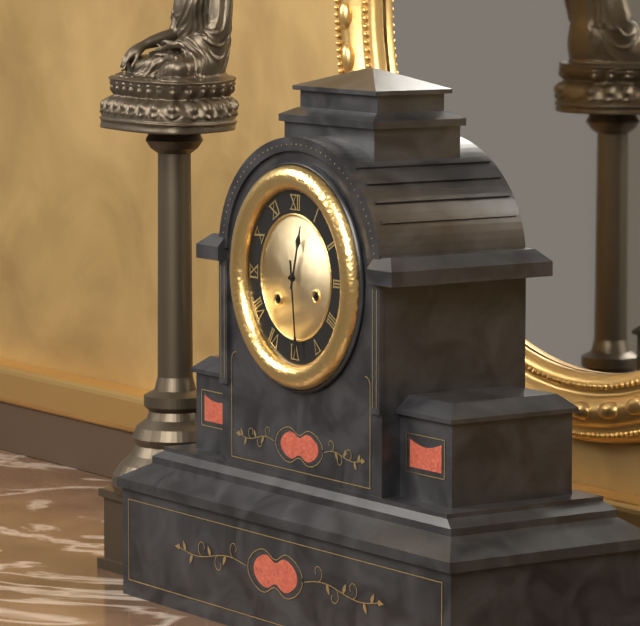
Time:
12:29
